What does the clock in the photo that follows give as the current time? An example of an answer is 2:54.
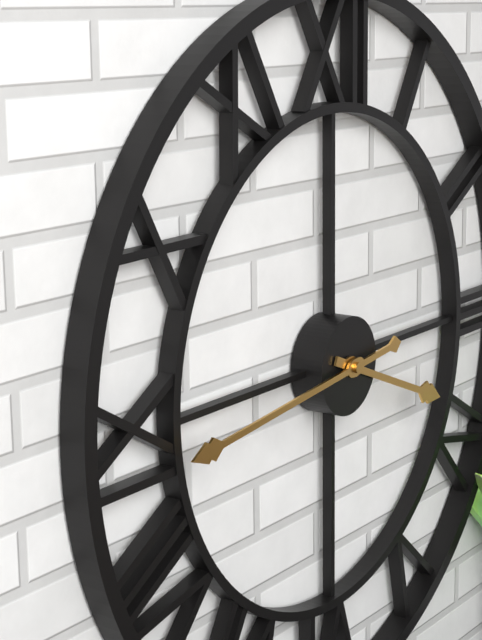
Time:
3:44
